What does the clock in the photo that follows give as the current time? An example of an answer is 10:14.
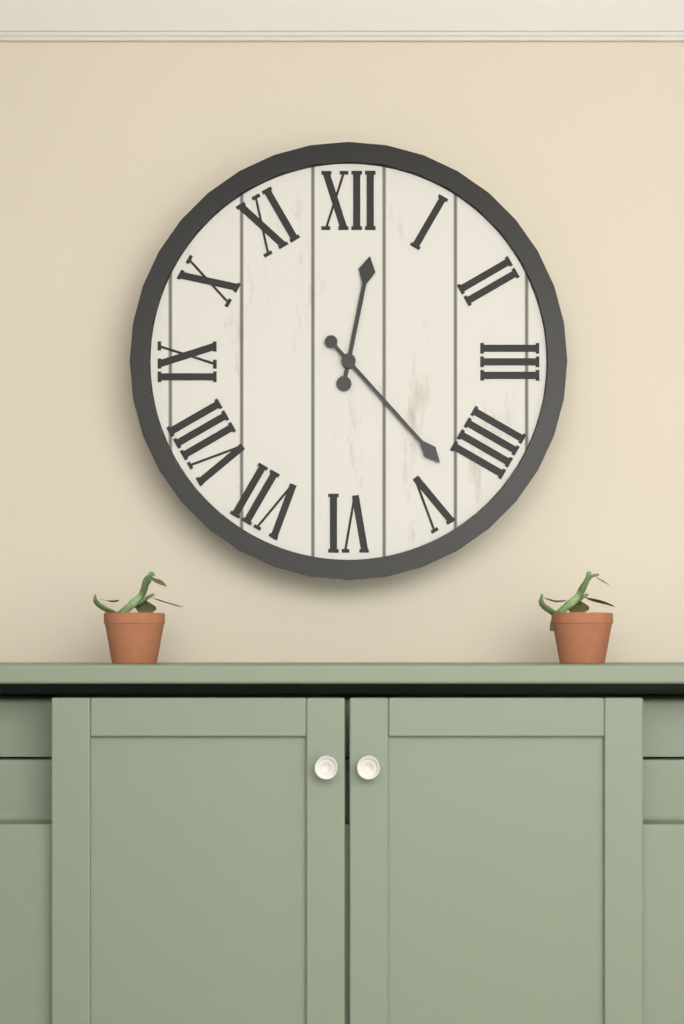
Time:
12:23
